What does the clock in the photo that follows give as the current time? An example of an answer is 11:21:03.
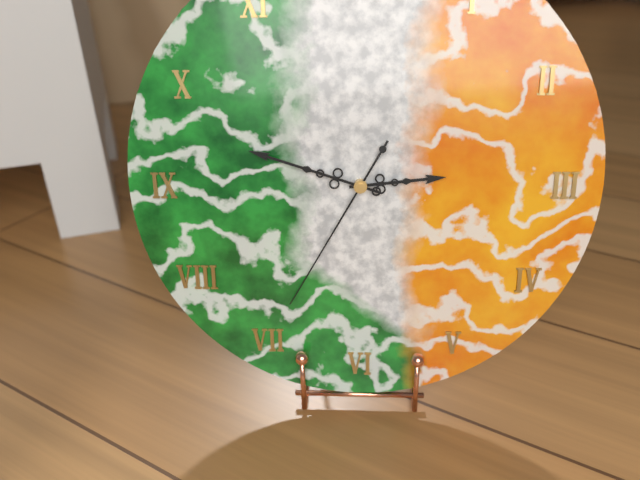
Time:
2:48:35
